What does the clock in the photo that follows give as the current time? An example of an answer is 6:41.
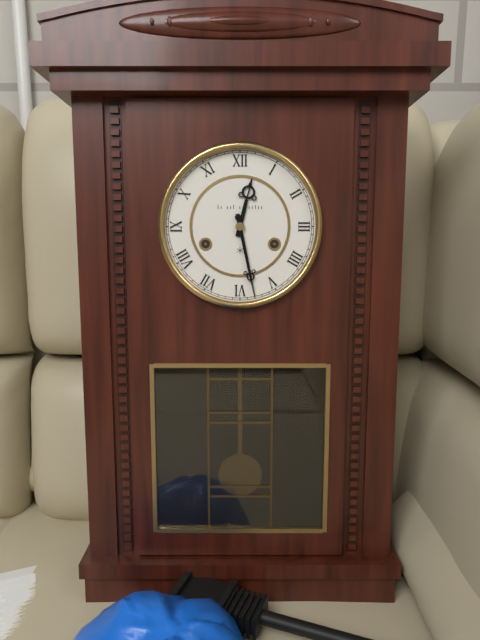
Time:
12:28
